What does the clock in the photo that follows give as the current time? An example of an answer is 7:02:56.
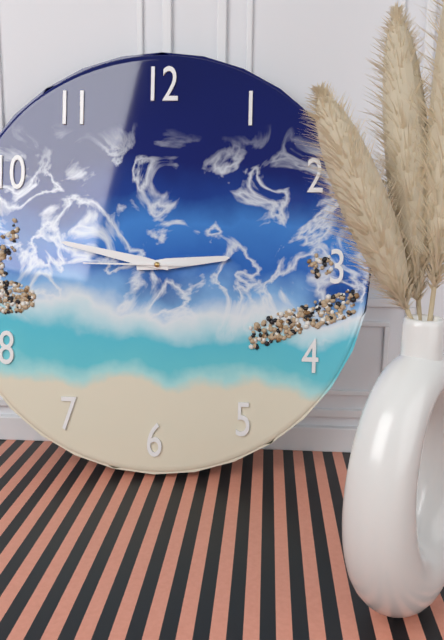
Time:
2:47:45
